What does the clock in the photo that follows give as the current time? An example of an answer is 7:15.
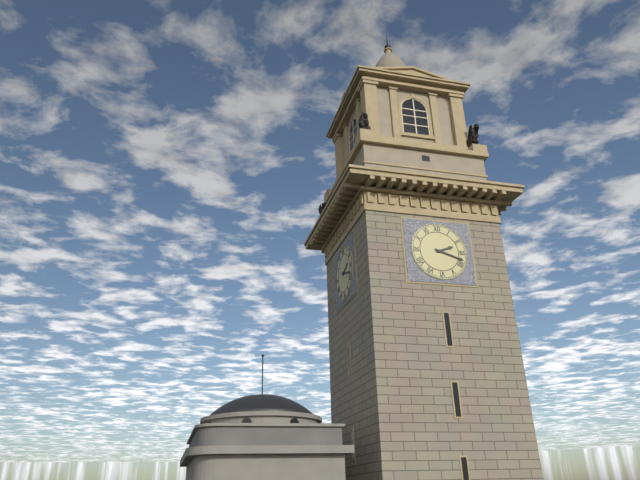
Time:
2:18
